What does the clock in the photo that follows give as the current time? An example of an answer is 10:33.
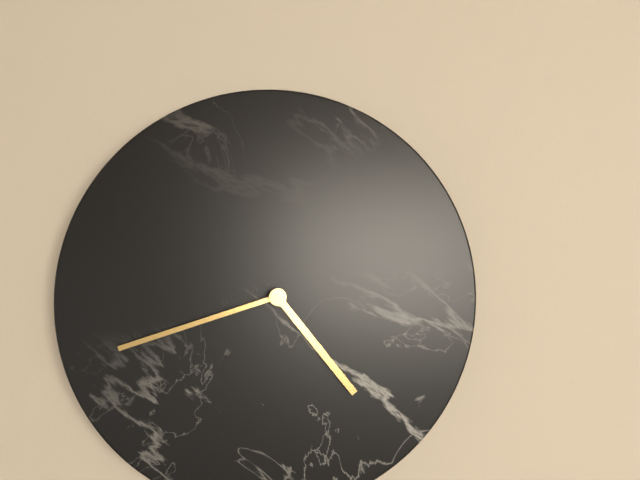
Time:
4:42
